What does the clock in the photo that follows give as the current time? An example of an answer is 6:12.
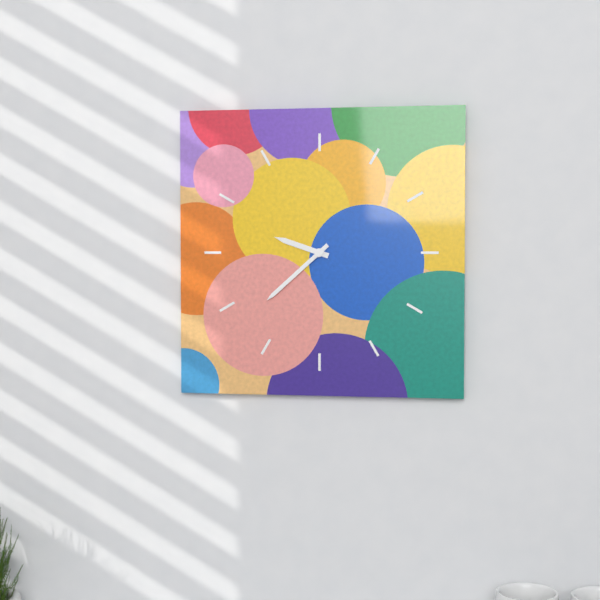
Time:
9:38
